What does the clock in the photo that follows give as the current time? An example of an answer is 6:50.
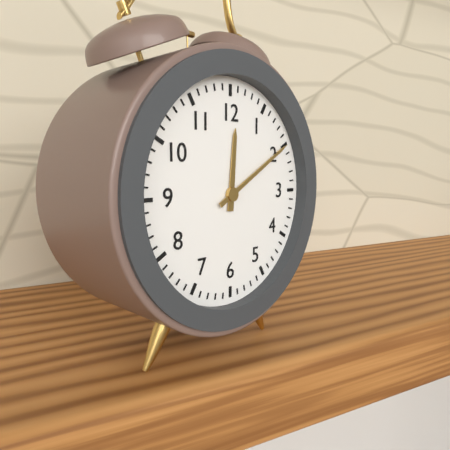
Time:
12:10
